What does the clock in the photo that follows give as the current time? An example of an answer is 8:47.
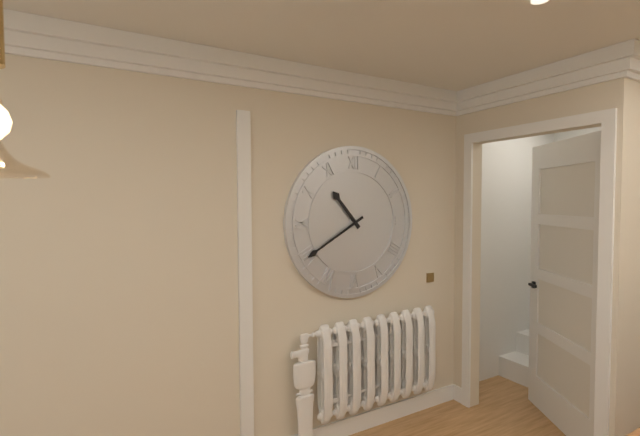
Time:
10:40
